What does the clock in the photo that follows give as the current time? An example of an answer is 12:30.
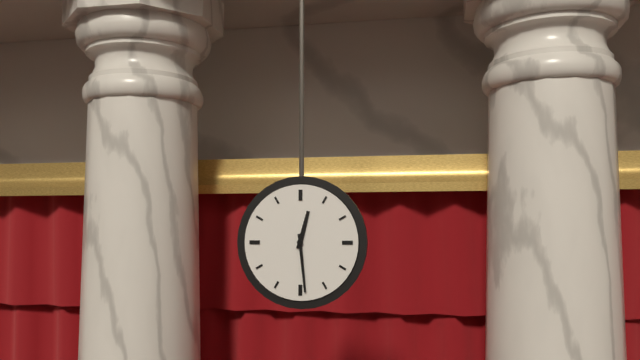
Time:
12:29
